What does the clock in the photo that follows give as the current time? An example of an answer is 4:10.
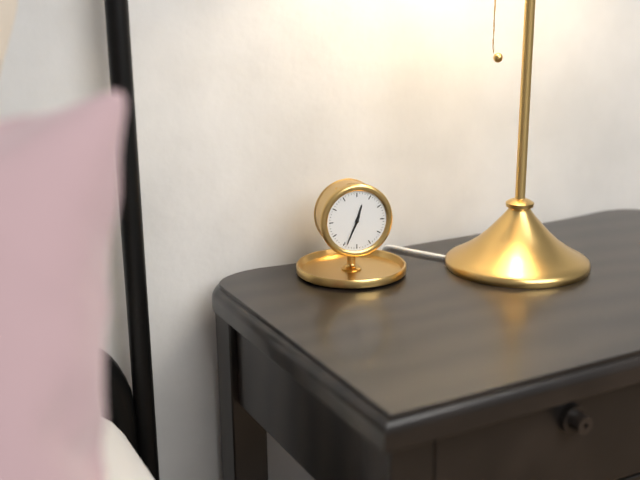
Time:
12:34
